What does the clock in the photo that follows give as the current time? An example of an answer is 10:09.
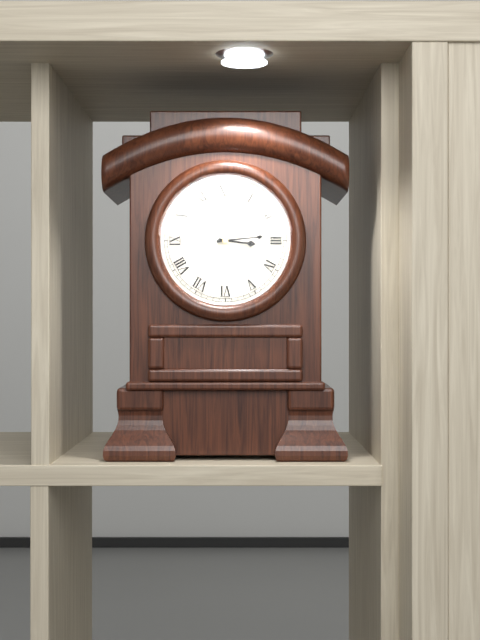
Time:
3:14
